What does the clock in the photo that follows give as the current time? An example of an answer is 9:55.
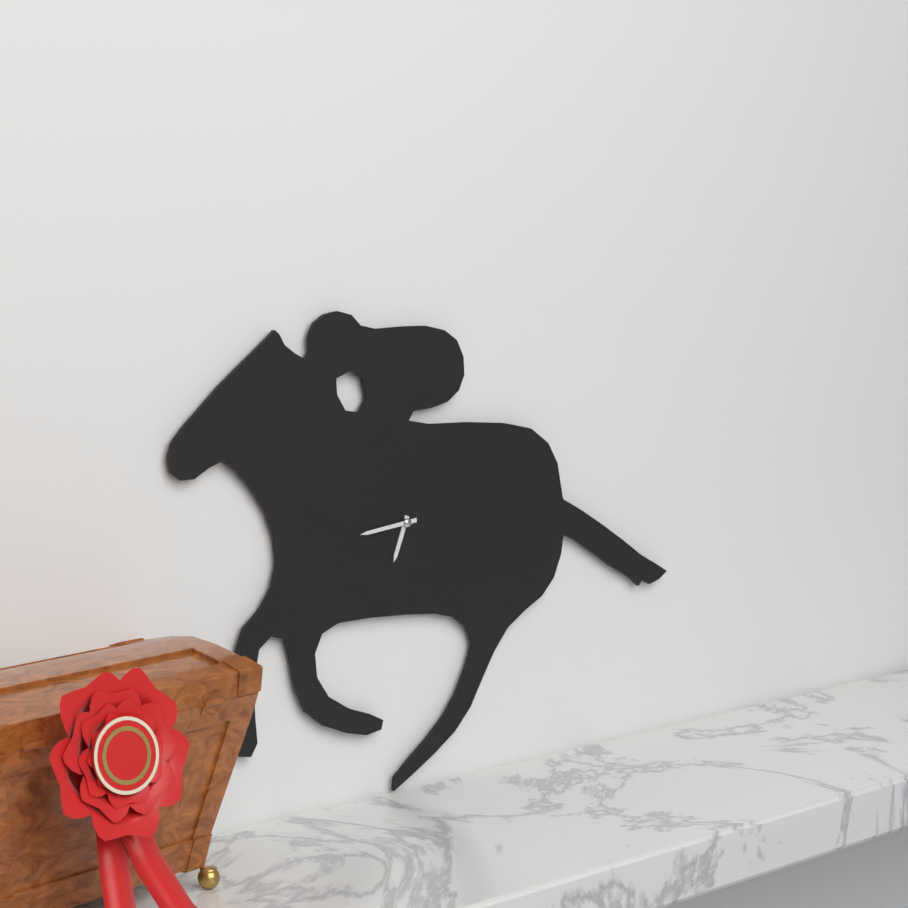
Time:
6:44
